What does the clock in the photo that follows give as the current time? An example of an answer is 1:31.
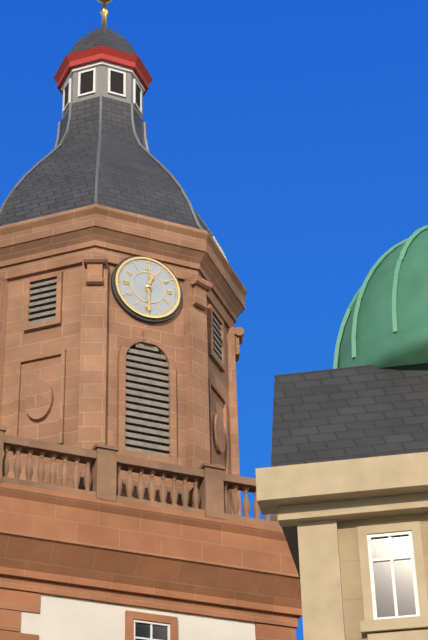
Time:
12:30
